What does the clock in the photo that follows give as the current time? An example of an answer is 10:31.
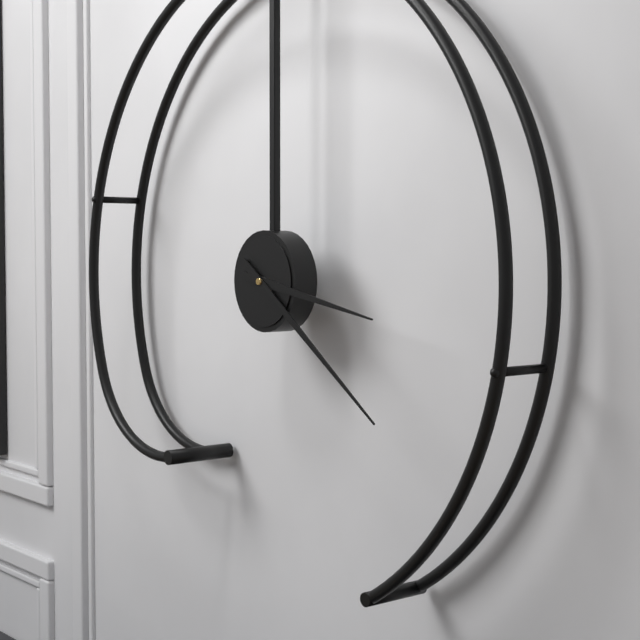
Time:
3:21
